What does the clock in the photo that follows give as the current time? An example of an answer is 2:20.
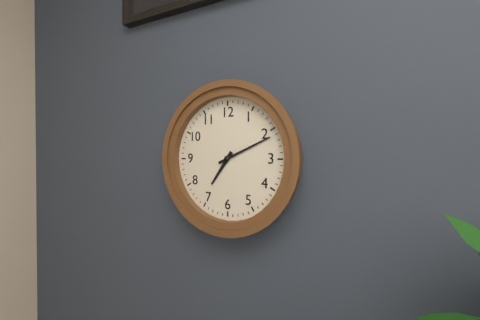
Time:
7:11
